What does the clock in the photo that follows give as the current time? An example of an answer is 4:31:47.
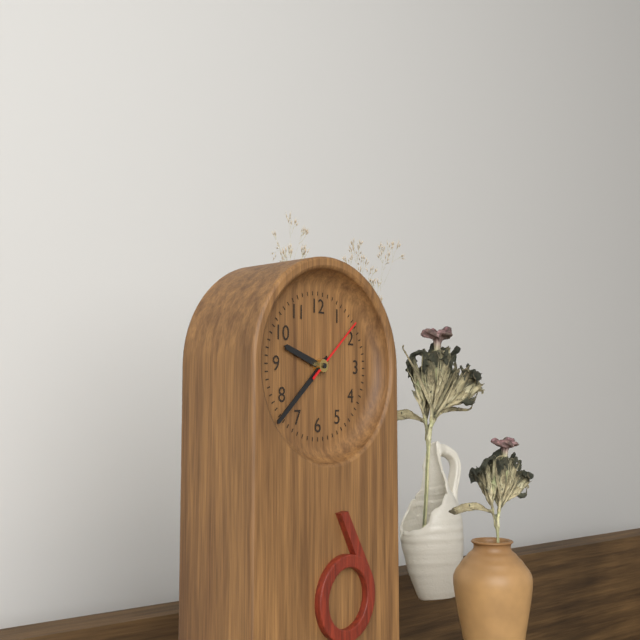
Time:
9:38:08
